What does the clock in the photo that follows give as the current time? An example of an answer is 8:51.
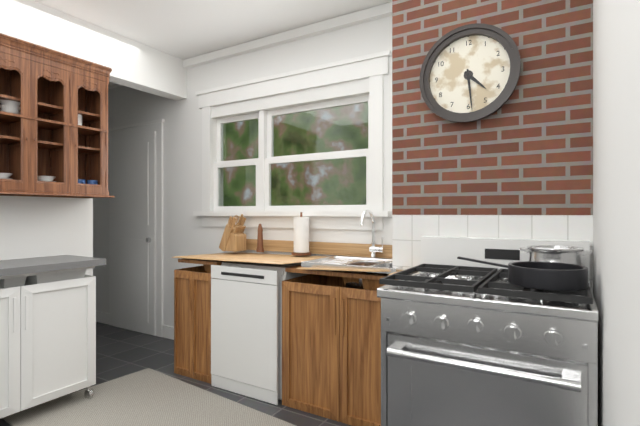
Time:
4:29
